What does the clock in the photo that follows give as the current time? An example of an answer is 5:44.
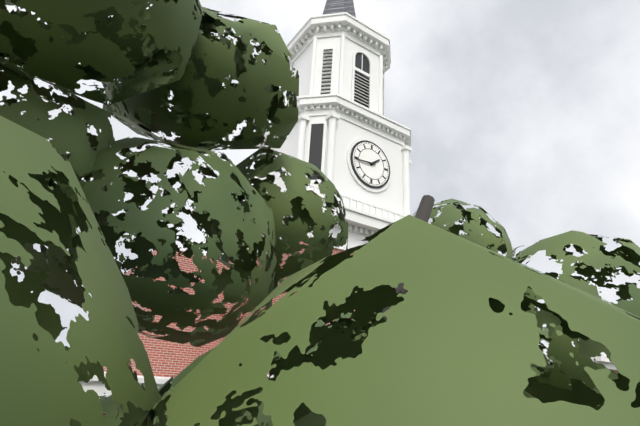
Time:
1:44
